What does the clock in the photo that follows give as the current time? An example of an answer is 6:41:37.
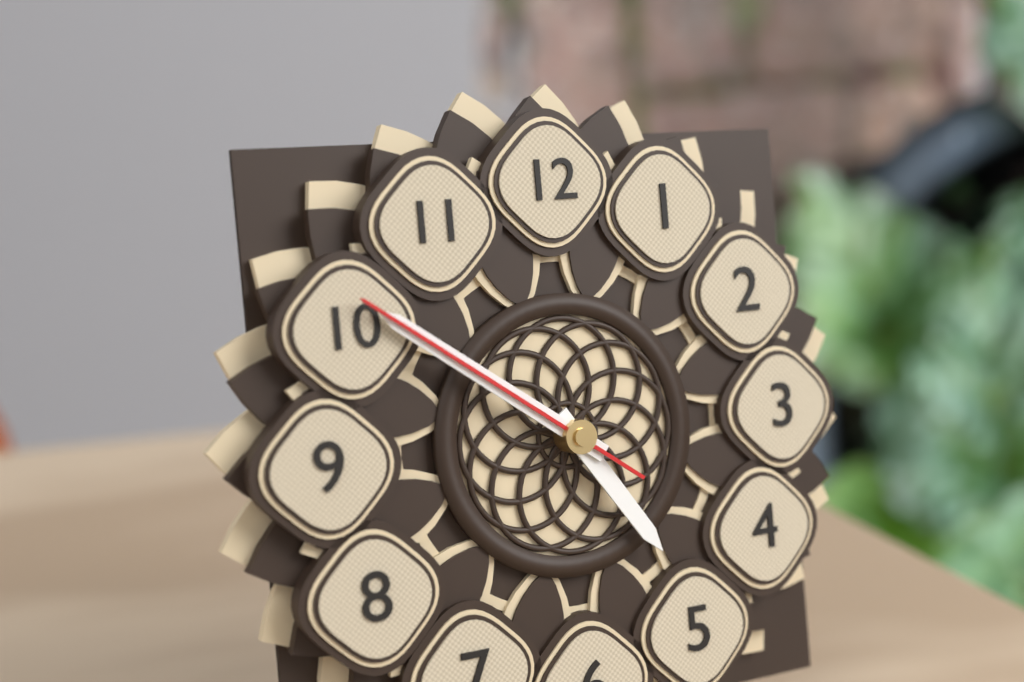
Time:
4:51:51
